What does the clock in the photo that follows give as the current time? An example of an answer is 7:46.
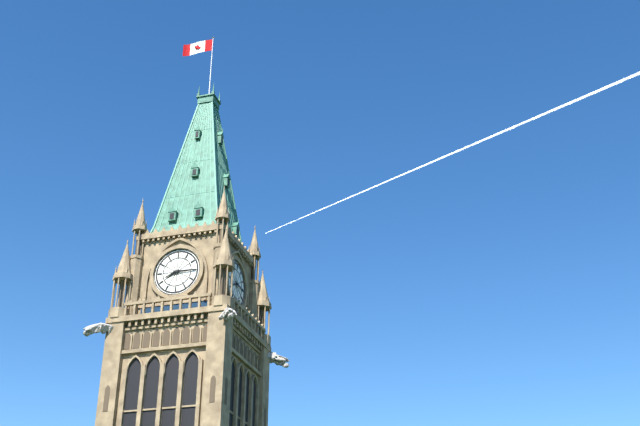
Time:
8:15
